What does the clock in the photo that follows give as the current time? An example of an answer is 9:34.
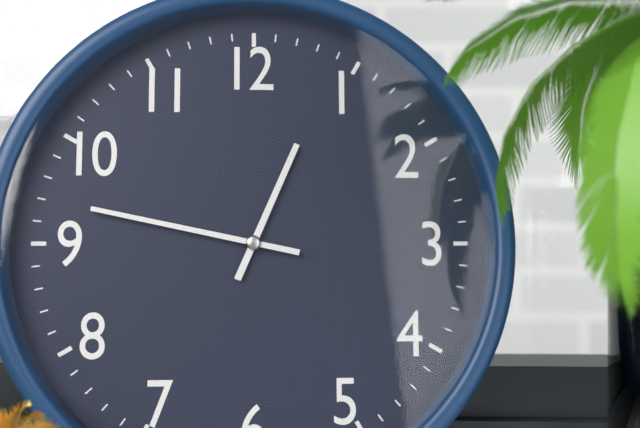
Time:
12:47
